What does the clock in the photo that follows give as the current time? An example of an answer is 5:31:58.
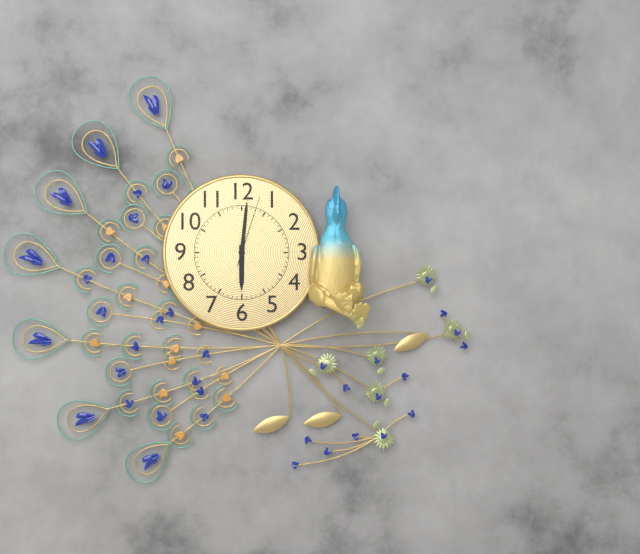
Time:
6:01:03
